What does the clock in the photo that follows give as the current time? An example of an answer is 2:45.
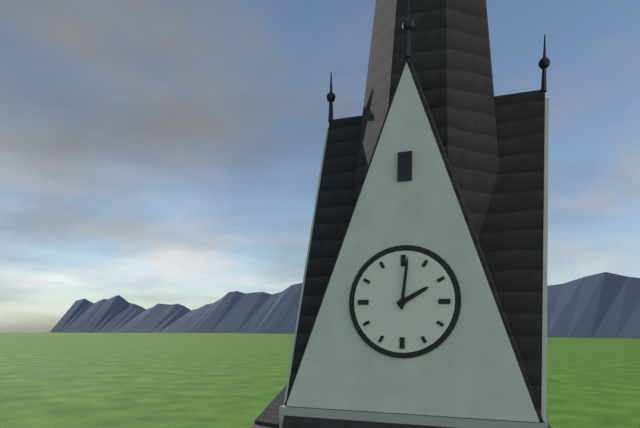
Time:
2:01
